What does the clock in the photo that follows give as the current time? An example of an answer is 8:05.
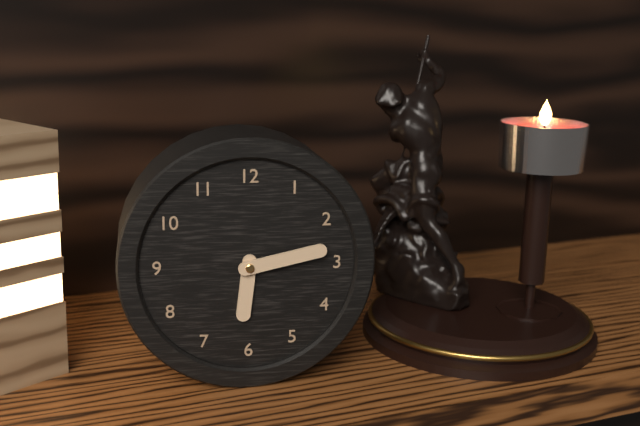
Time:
6:13
